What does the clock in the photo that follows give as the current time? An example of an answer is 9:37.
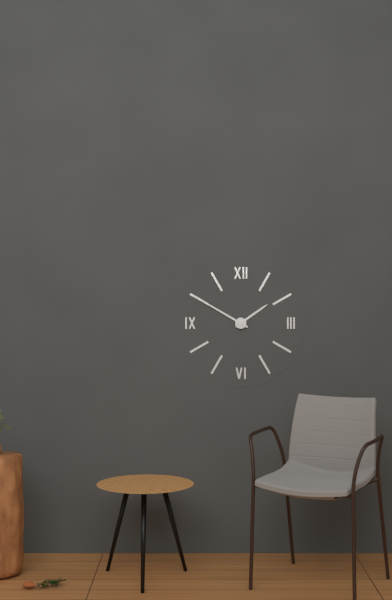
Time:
1:50
